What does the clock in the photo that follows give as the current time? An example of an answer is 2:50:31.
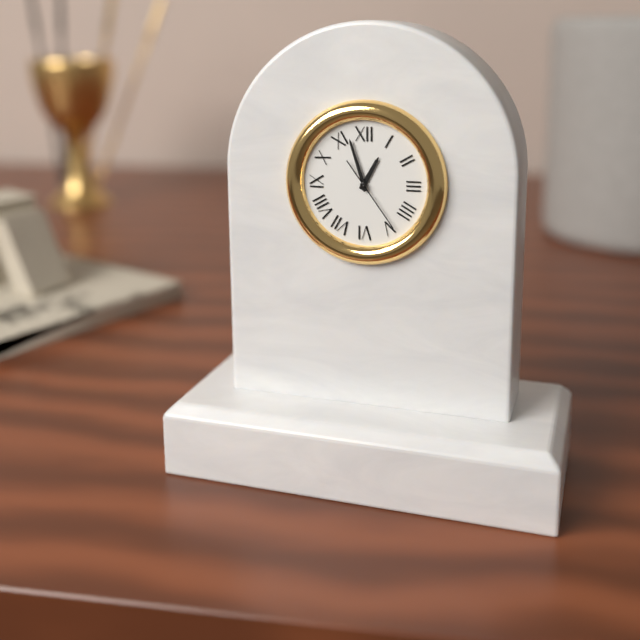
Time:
12:57:24
